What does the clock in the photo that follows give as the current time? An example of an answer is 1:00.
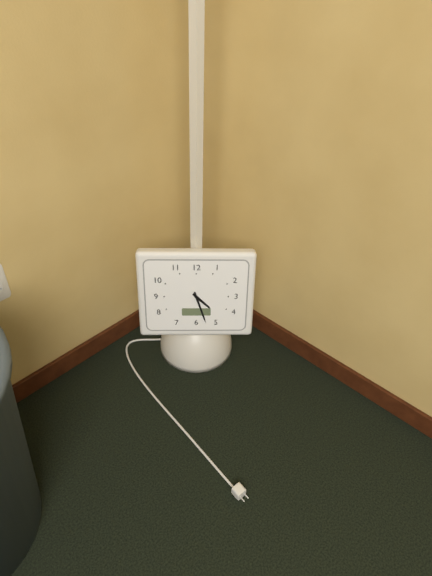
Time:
4:27
